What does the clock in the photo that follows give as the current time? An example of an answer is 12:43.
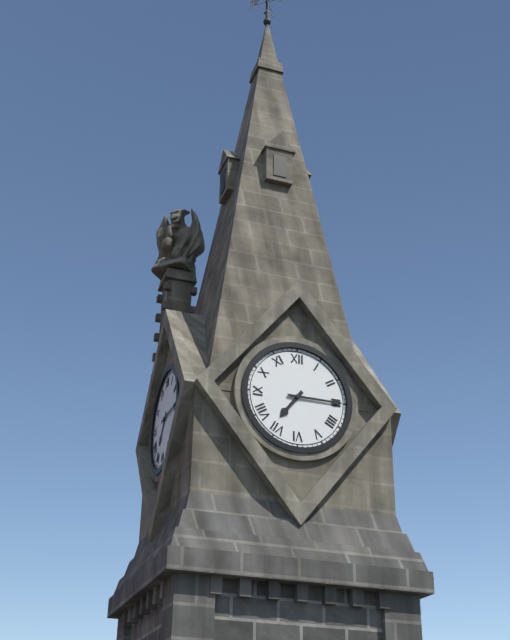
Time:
7:15
